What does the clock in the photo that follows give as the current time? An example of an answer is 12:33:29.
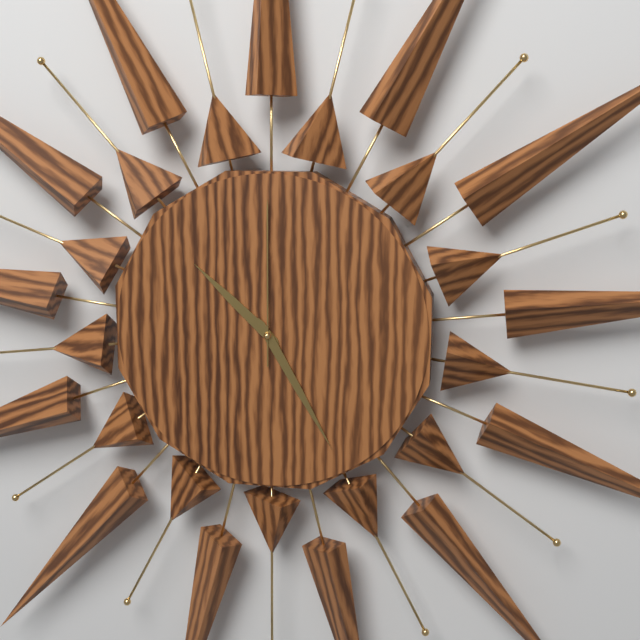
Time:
10:25:00
